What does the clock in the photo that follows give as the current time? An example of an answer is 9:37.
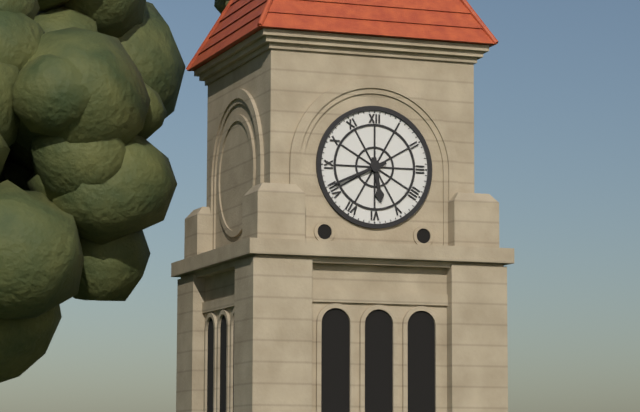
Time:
5:41
